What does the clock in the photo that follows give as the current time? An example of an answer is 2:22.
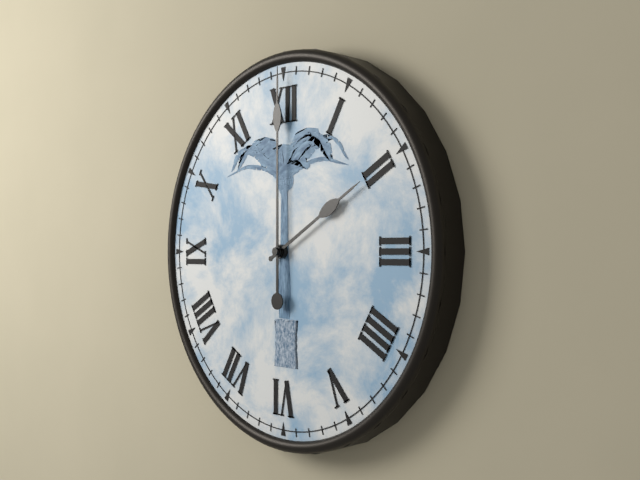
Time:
2:00
